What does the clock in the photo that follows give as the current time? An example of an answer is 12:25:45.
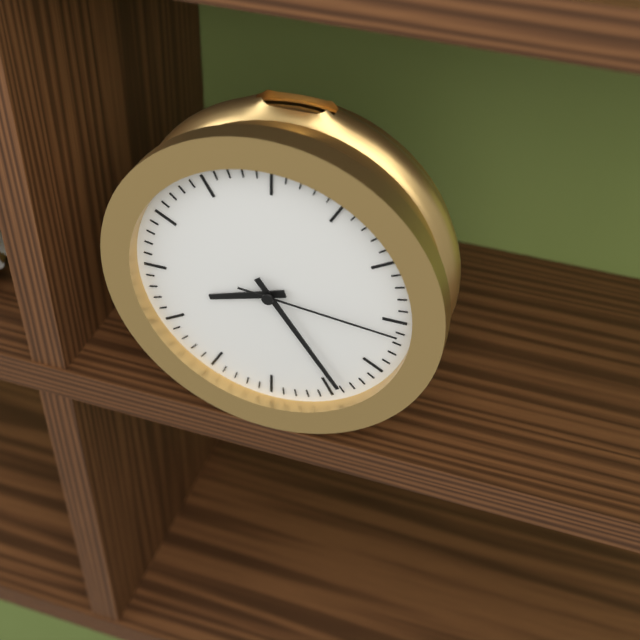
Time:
8:24:16
